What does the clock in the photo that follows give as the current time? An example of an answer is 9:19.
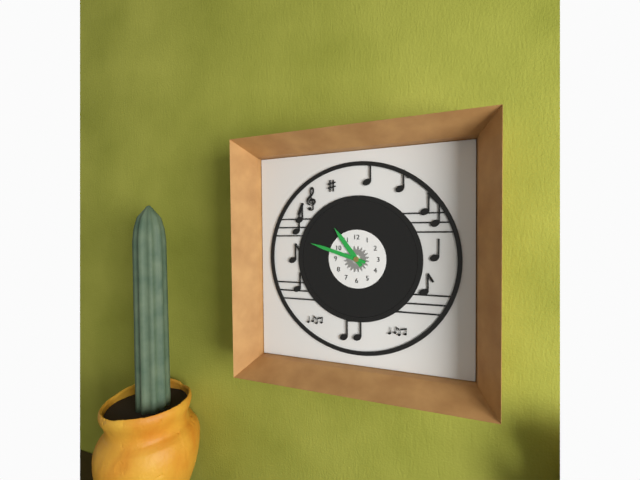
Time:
10:48
